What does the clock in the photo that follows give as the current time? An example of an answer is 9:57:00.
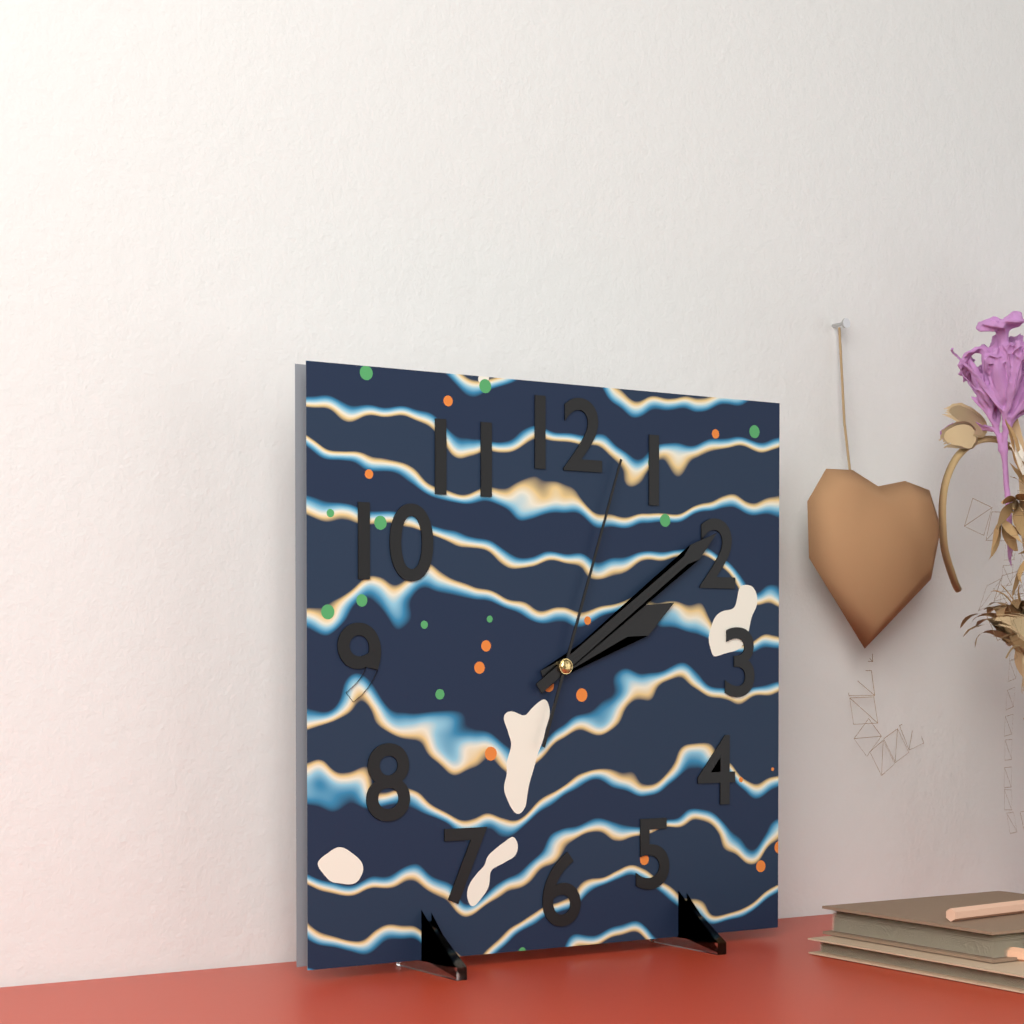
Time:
2:09:03
